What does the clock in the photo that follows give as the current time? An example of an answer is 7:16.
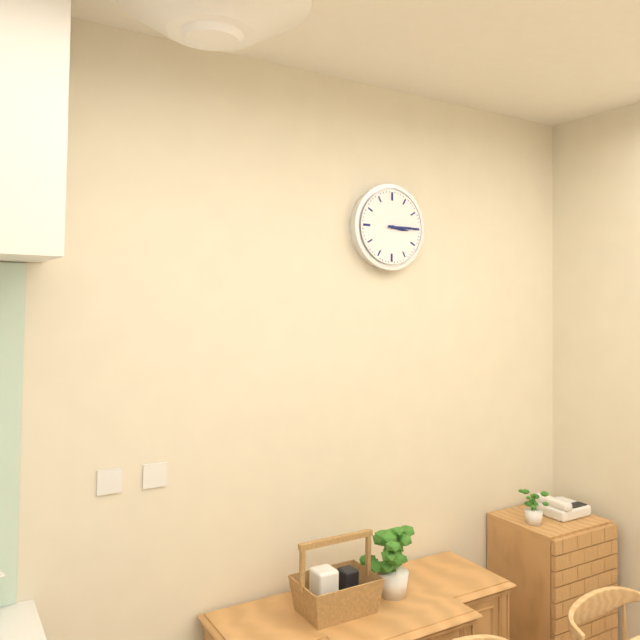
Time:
3:15
